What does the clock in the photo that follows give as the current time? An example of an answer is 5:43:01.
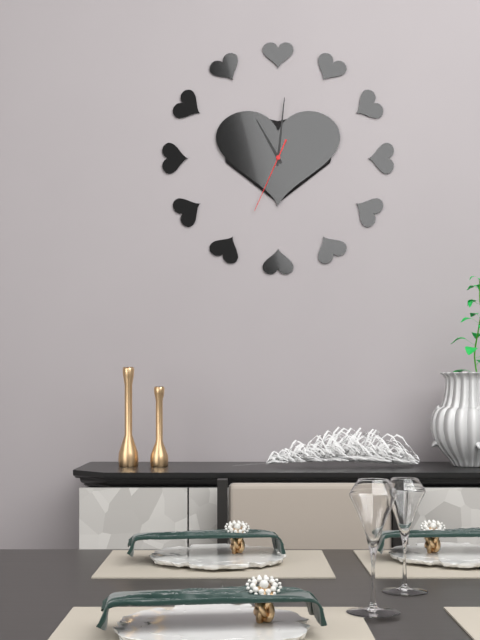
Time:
11:01:34
